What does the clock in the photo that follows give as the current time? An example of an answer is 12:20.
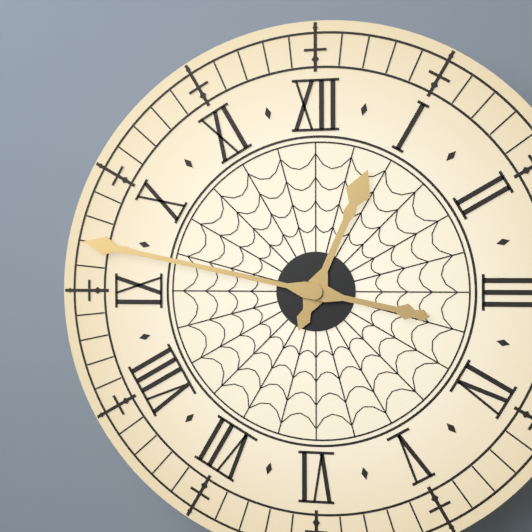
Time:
12:47
